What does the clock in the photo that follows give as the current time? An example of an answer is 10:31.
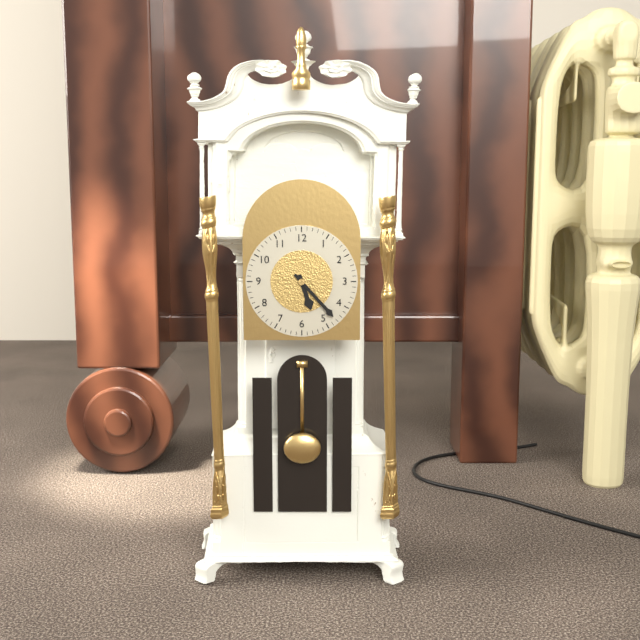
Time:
5:23
